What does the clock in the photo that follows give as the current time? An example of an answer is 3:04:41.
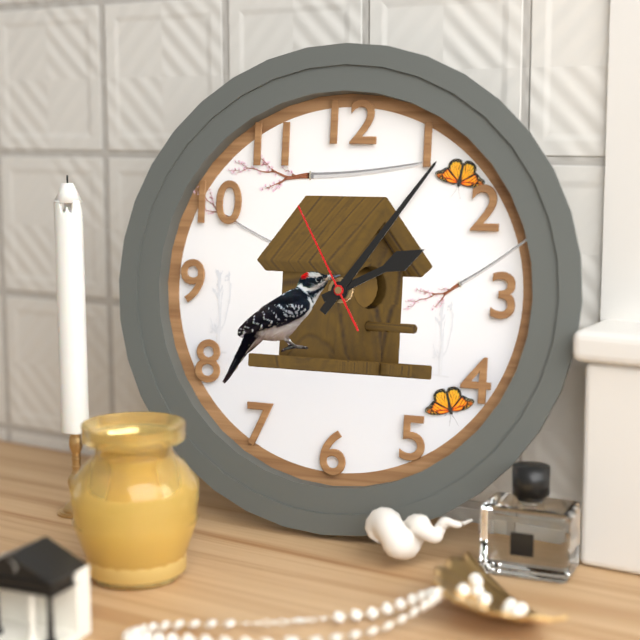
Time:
2:06:55
